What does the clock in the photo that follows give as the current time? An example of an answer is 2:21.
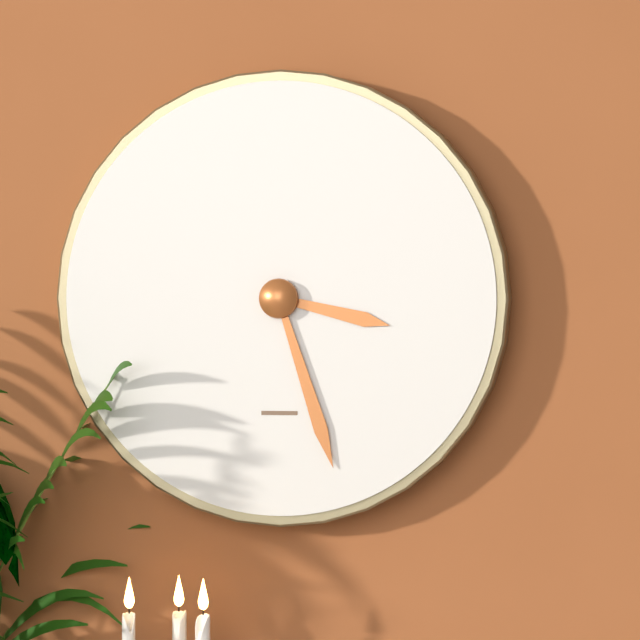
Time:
3:27
